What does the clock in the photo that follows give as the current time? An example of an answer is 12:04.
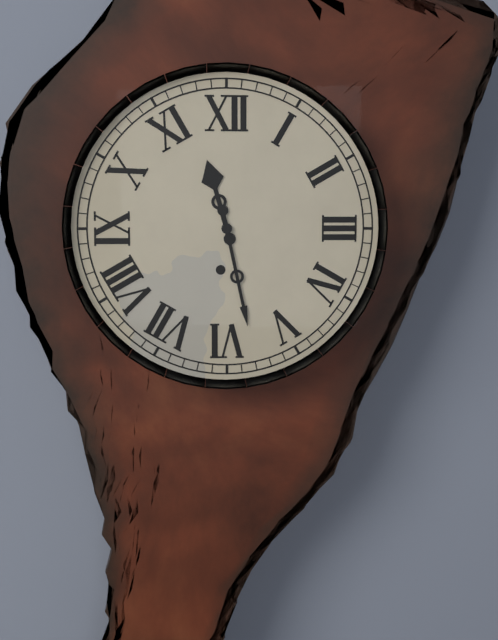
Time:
11:28
